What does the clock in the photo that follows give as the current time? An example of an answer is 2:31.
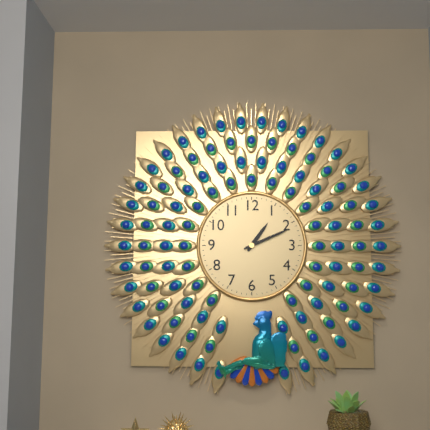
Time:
1:11
